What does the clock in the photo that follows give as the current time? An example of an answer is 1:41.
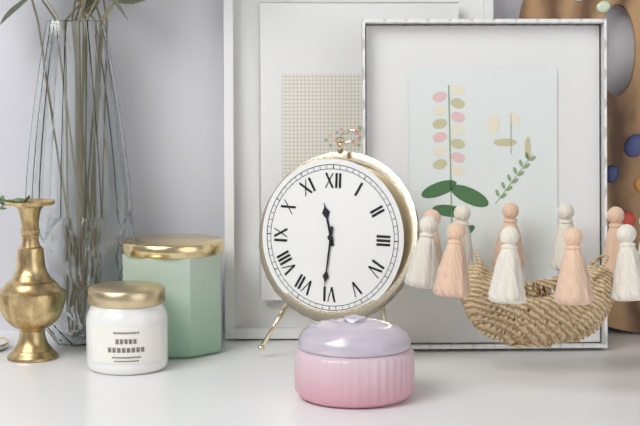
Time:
11:31
